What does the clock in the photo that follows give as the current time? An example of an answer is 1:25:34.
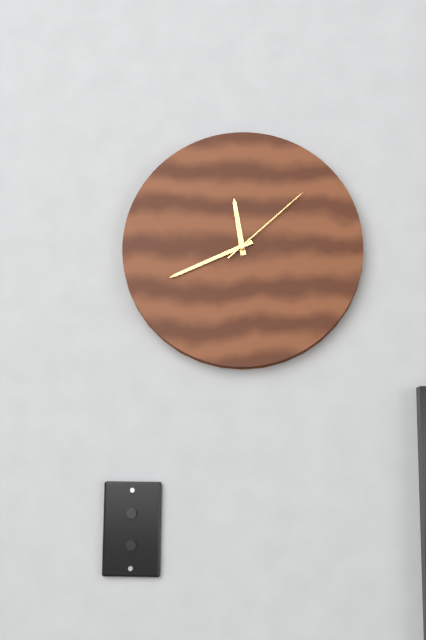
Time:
11:41:08
